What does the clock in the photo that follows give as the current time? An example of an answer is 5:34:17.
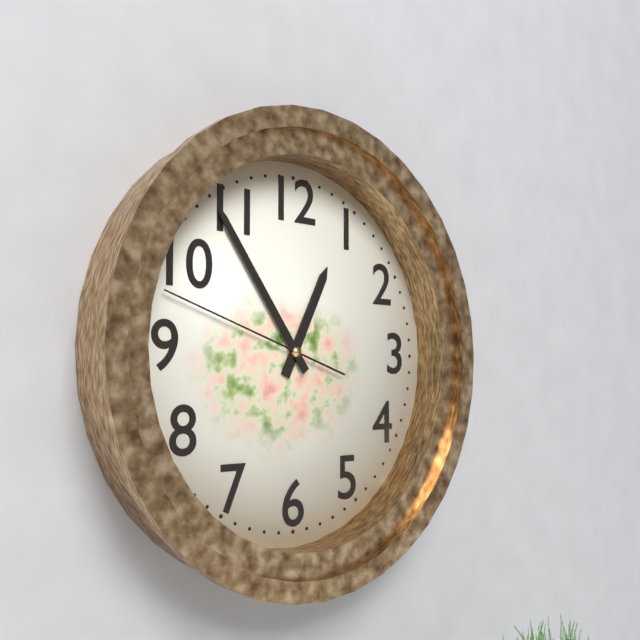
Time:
12:54:48
